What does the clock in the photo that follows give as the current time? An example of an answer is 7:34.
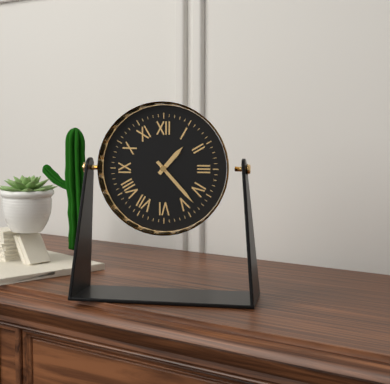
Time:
1:23
